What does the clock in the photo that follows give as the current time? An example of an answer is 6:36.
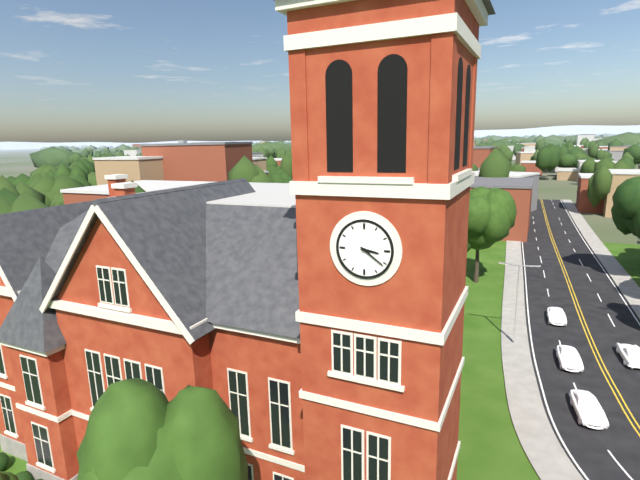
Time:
3:21
